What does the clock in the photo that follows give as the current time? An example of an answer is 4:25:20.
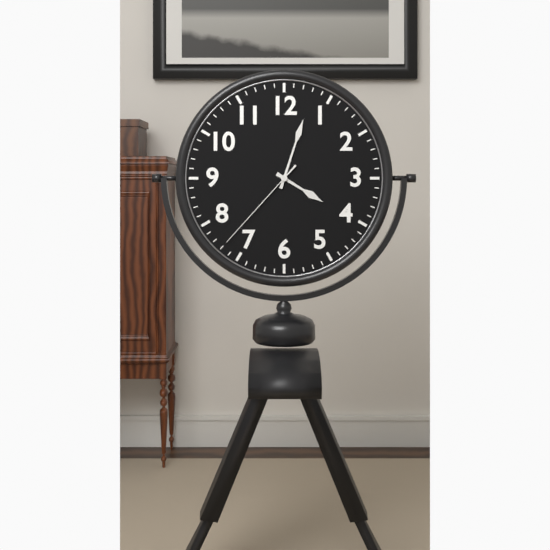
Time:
4:03:37
